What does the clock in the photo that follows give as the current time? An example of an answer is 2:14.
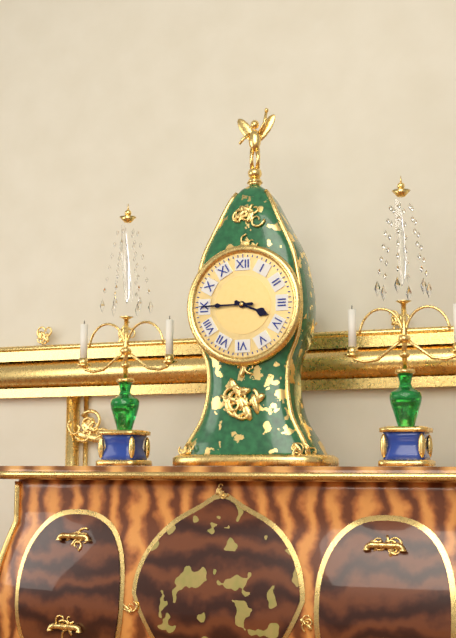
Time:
3:45
